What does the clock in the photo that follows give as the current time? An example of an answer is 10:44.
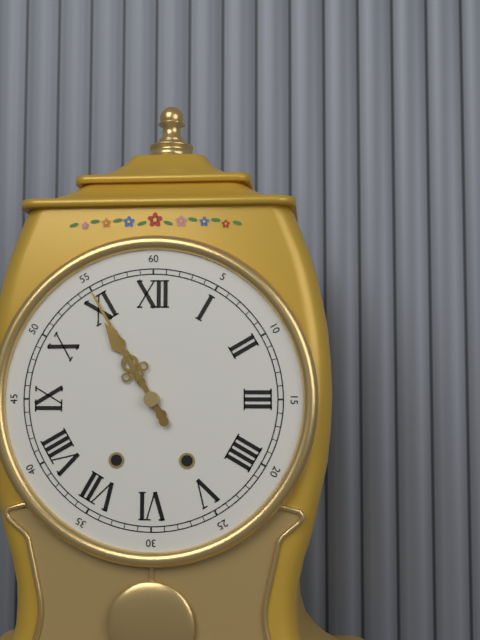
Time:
10:55
